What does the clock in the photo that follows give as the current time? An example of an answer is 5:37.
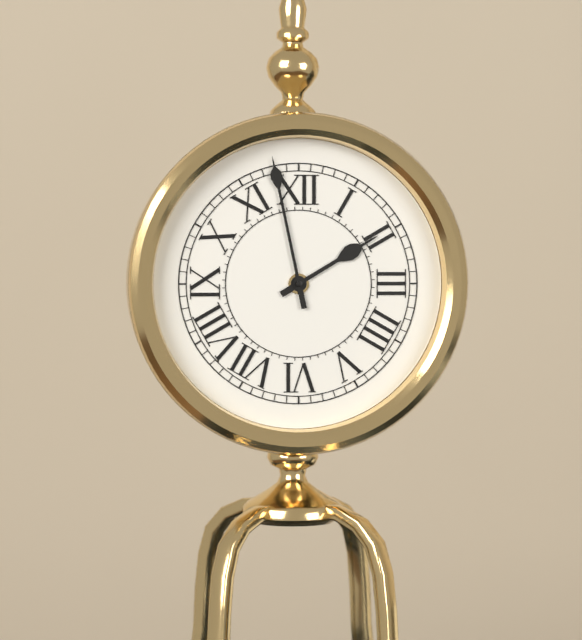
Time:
1:58
